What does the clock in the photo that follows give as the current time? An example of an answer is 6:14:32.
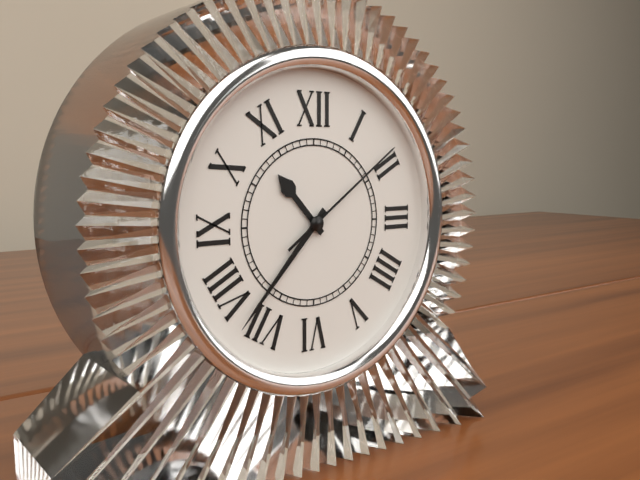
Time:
10:37:09
